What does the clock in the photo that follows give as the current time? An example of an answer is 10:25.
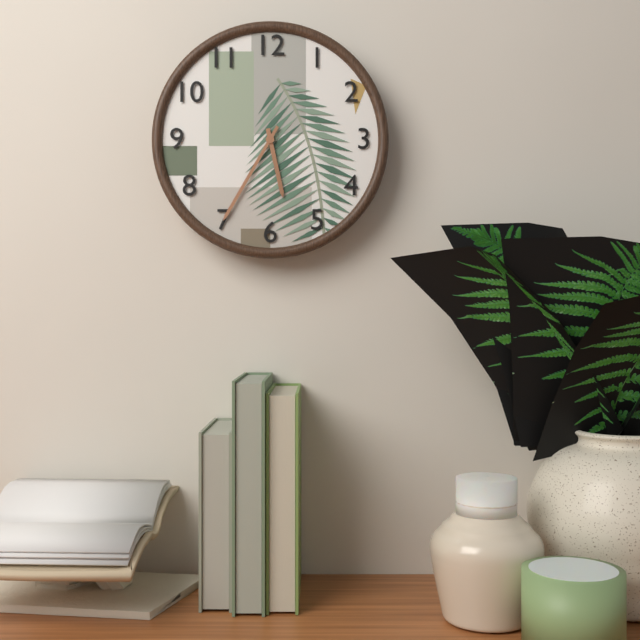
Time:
5:35
